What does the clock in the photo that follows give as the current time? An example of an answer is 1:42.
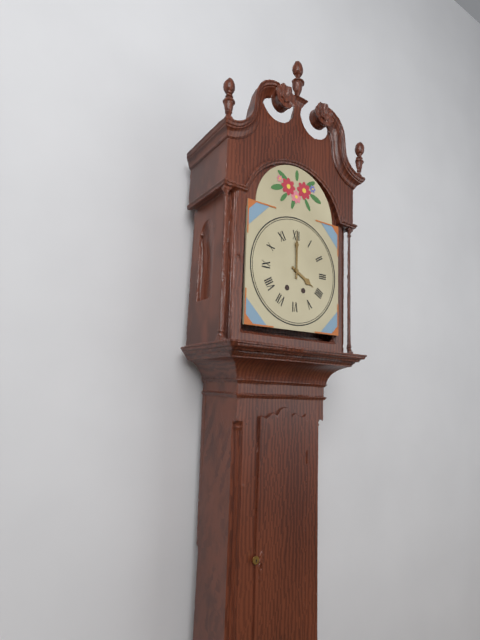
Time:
4:00
